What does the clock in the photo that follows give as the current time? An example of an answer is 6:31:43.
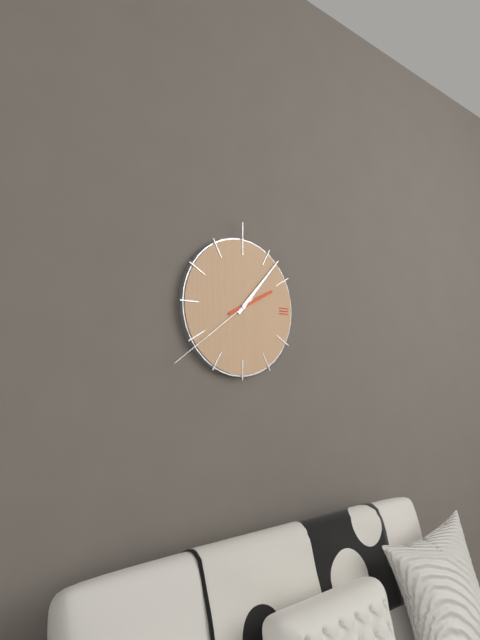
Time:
2:07:39
